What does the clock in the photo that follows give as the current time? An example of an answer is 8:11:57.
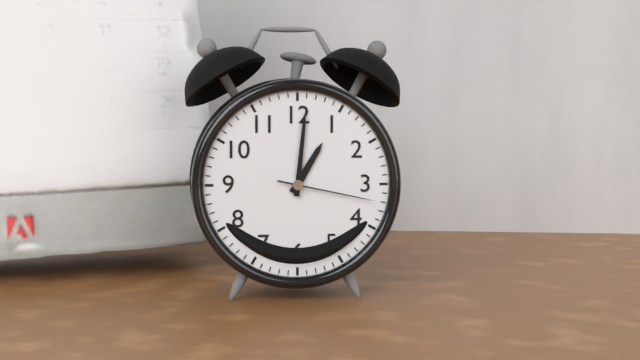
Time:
1:01:17
